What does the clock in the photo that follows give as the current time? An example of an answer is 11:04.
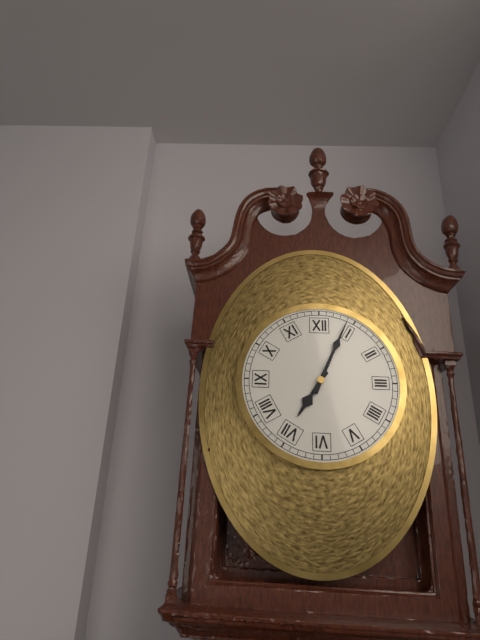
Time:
7:04
